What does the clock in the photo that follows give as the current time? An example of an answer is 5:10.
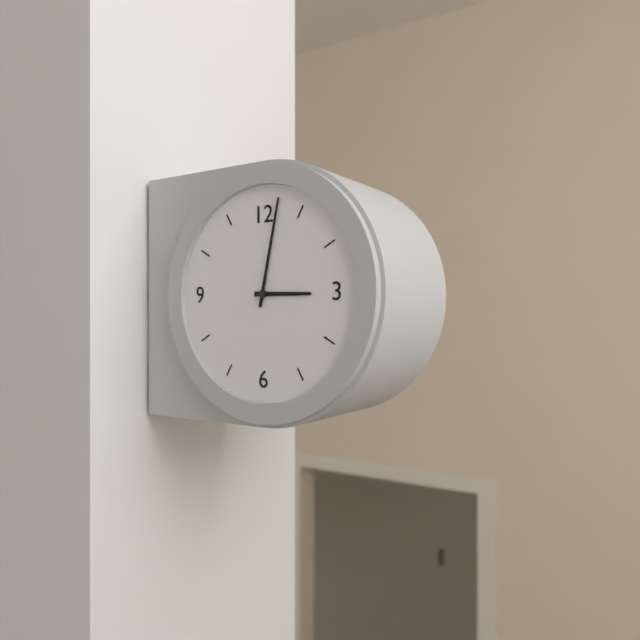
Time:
3:02
